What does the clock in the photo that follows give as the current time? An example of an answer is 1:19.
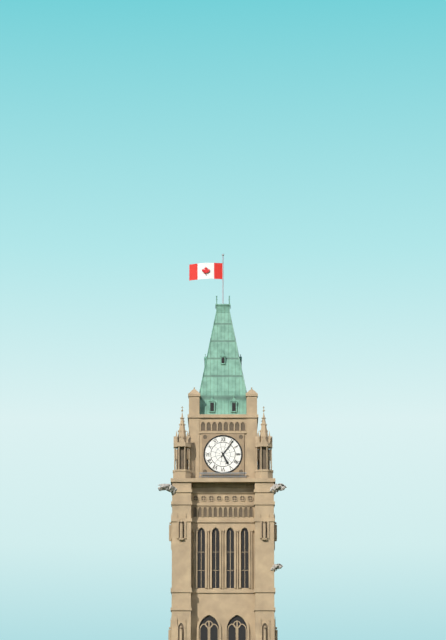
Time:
5:06
